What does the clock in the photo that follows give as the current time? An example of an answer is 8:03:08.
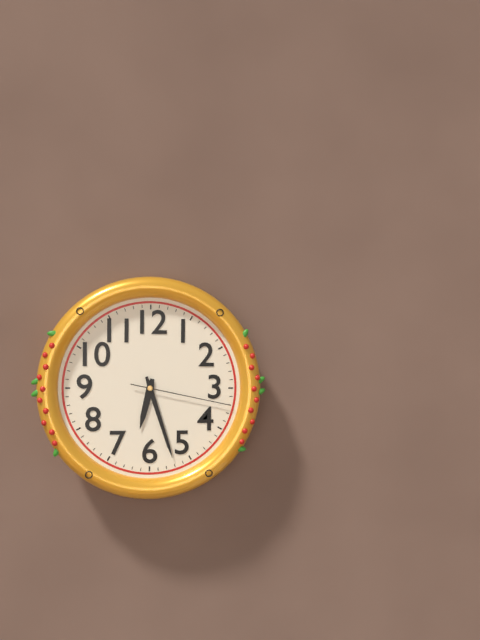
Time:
6:27:17
